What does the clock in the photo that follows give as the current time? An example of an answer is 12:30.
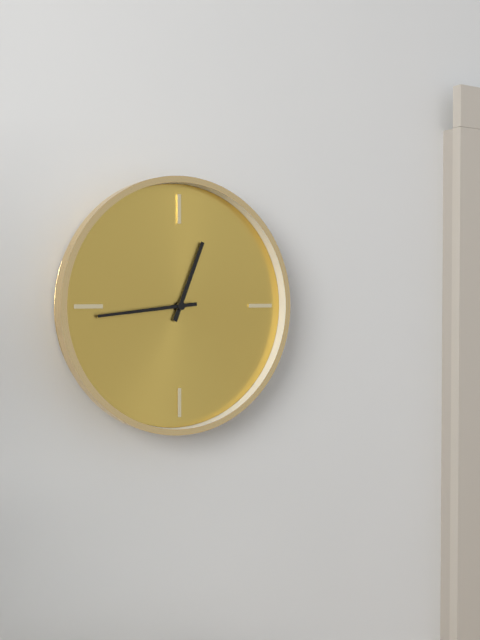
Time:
12:44
